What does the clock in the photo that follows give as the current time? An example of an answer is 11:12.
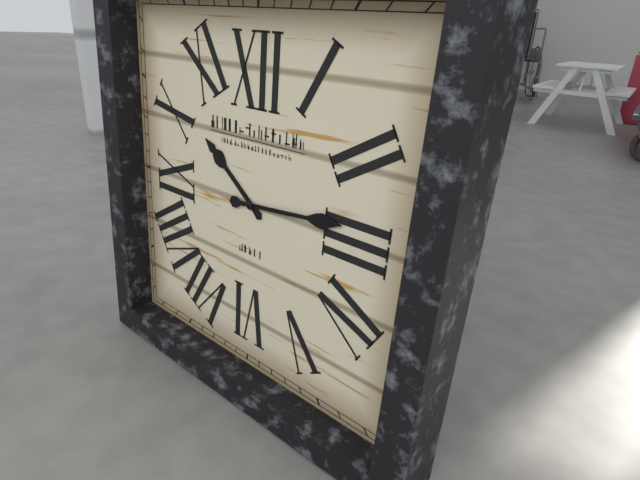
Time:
10:14
